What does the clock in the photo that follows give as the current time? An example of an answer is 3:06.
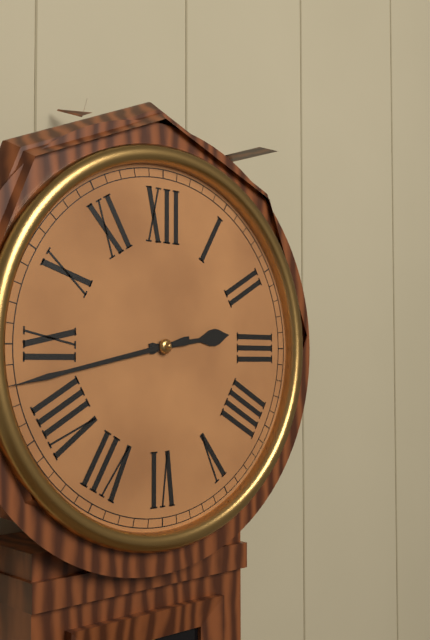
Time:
2:43
